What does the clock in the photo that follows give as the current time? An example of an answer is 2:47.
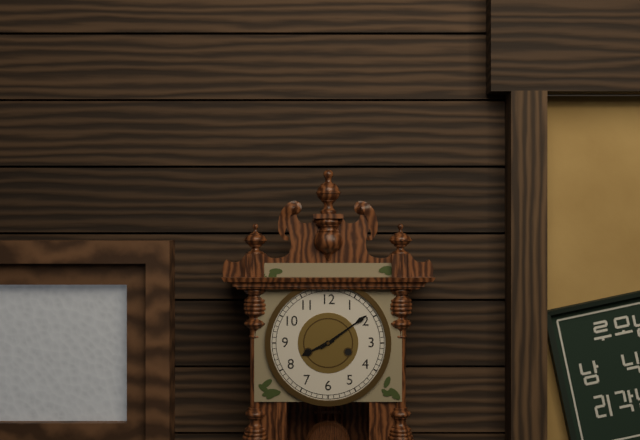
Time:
8:09
